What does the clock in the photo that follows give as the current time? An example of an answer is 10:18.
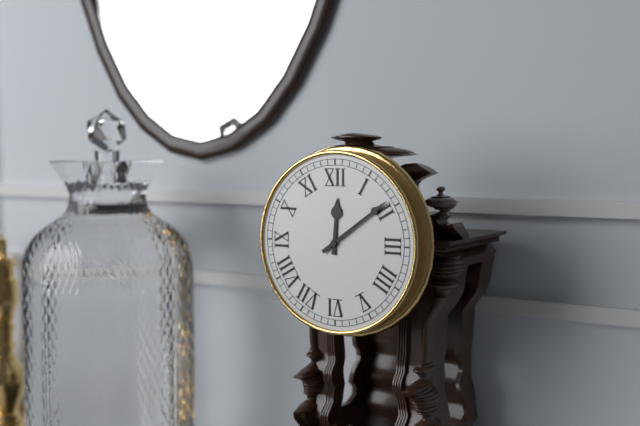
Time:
12:09
